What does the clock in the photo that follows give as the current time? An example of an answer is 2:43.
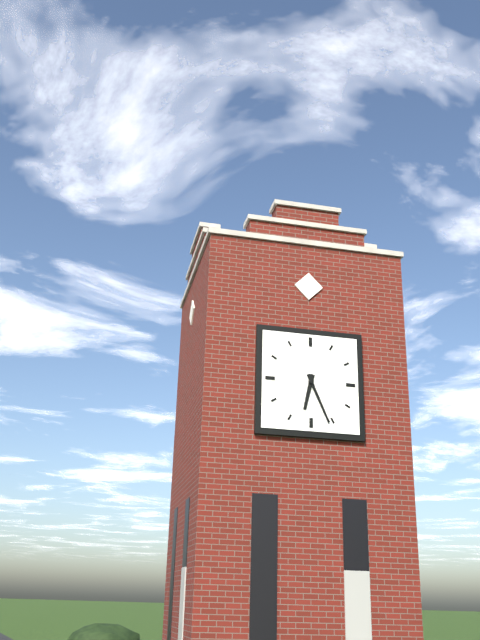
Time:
6:26
